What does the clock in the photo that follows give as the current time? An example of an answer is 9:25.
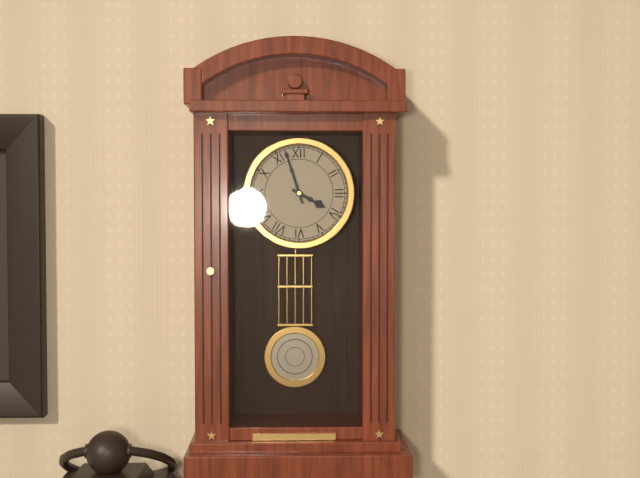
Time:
3:57
